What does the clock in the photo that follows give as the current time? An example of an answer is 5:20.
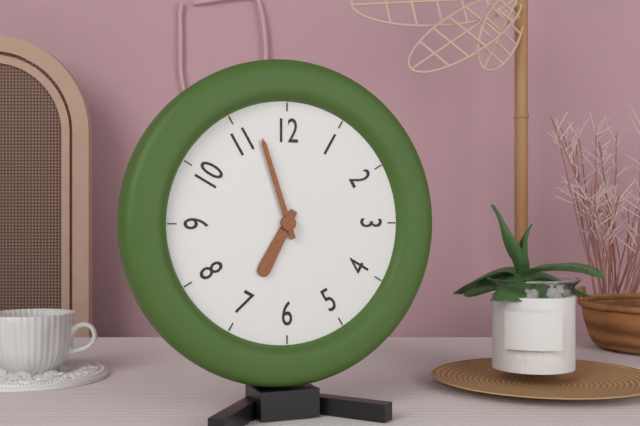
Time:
6:57
